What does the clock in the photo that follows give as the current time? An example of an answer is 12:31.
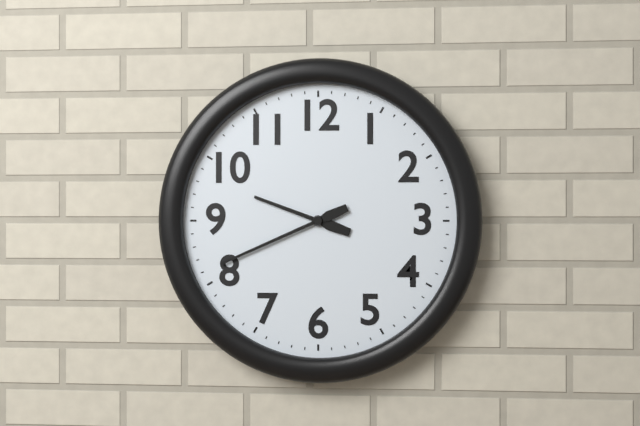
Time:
9:41
